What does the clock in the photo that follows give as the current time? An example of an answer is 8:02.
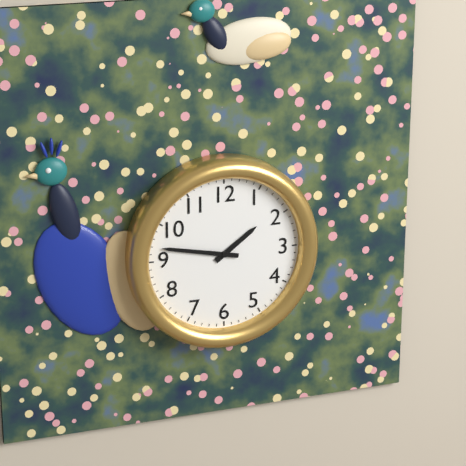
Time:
1:47
